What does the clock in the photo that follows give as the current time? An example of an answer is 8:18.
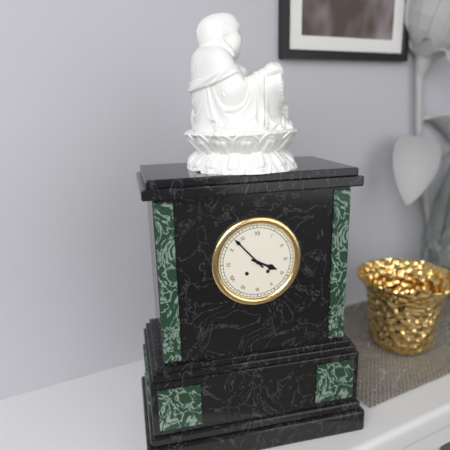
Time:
3:53
